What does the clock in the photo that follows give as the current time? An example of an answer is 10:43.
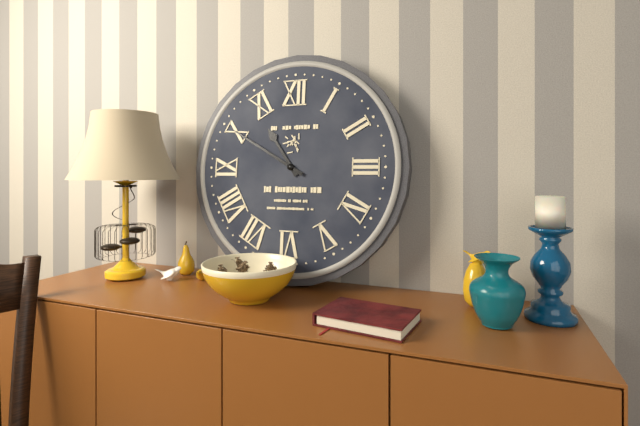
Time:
10:50
